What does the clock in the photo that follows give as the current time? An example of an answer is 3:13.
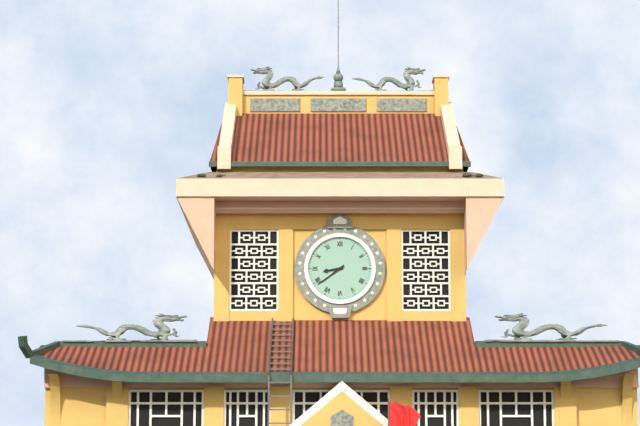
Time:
8:39
